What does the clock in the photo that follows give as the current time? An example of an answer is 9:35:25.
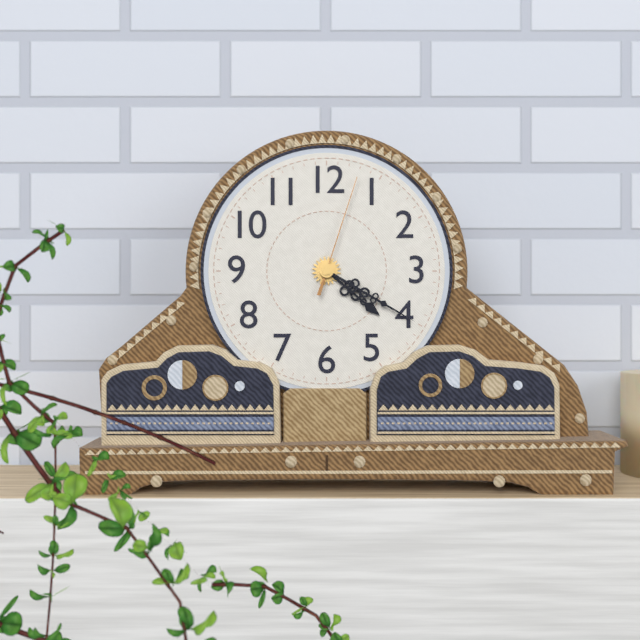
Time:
4:20:03
